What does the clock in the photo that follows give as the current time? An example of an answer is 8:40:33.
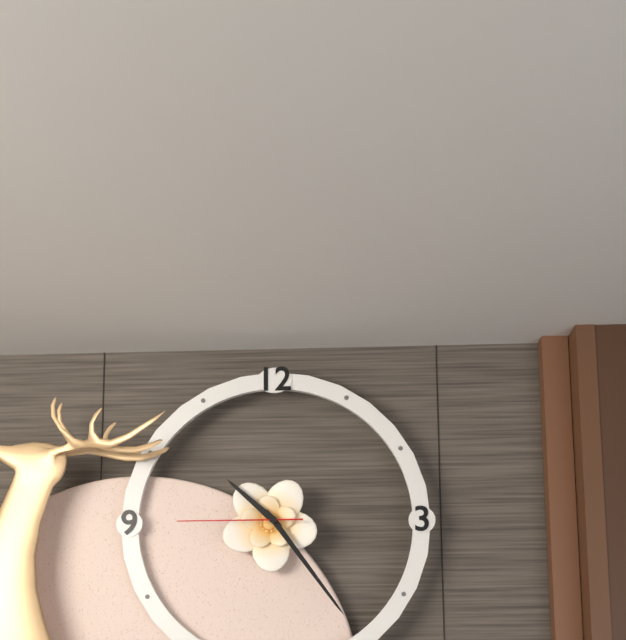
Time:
10:24:45
